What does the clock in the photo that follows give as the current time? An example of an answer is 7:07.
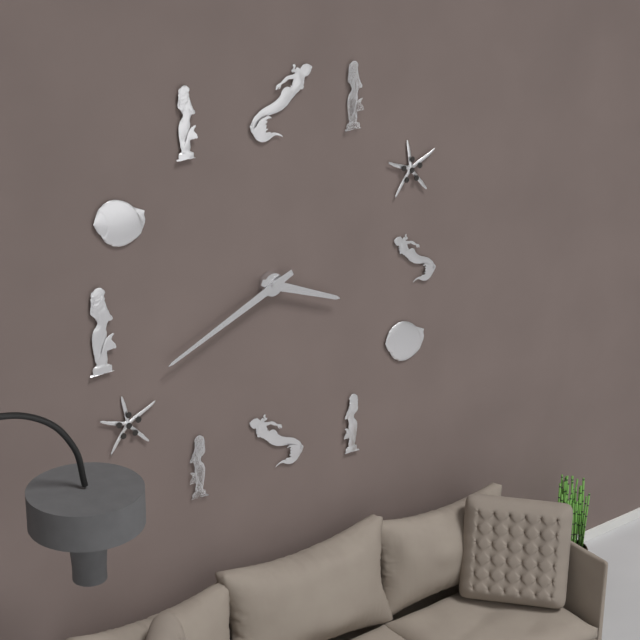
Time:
3:41
